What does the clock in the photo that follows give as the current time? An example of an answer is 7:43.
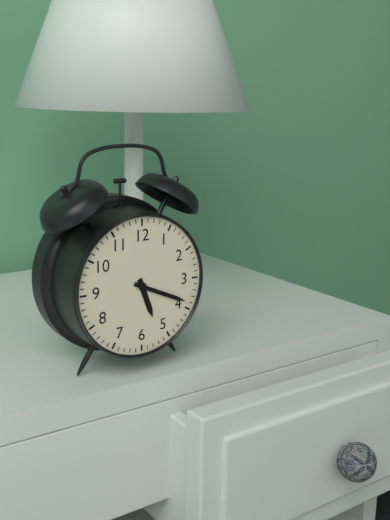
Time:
5:19
